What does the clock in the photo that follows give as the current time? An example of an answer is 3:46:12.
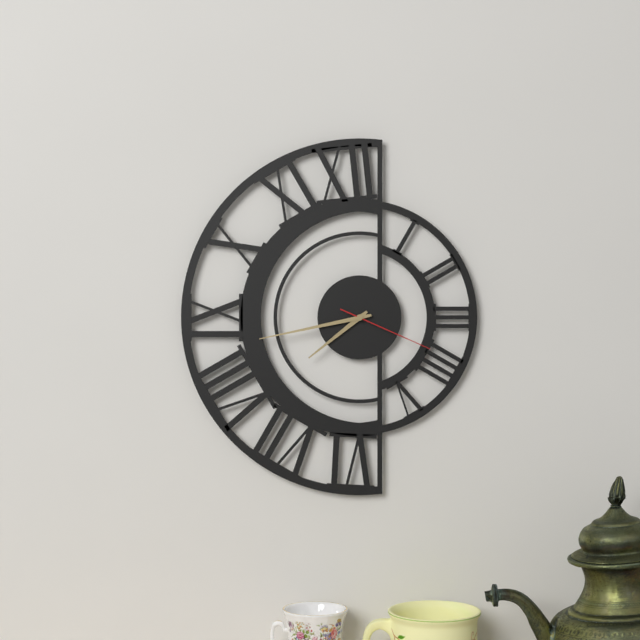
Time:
7:43:19
